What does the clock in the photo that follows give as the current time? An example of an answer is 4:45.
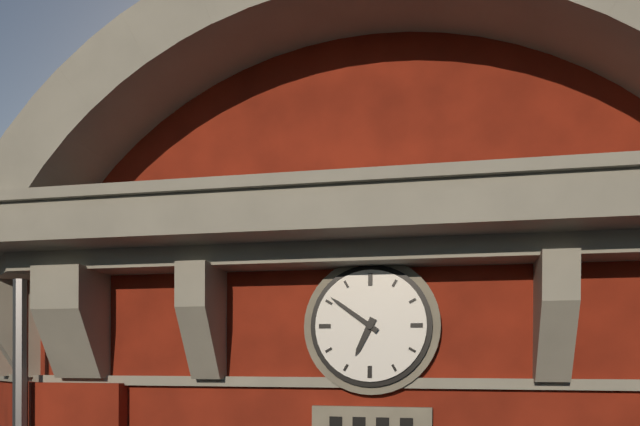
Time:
6:51
